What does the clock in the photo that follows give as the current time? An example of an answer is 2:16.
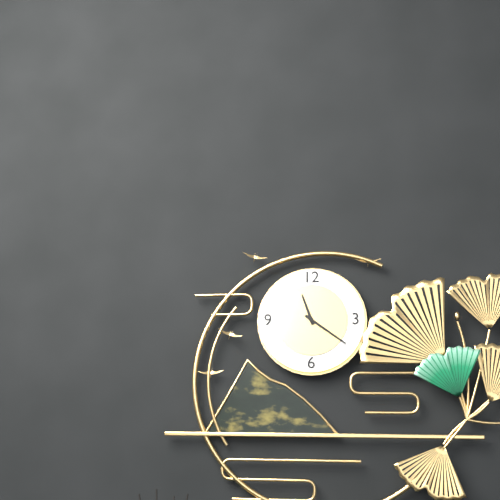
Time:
11:21
